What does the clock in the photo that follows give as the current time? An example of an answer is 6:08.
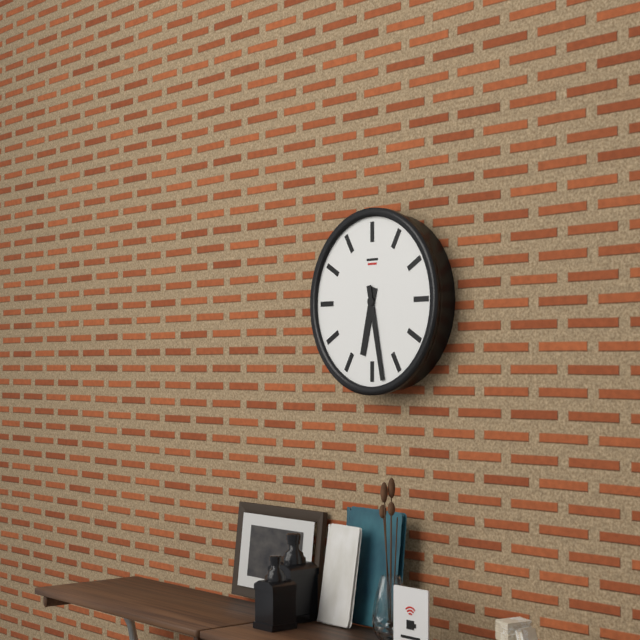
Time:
6:28
